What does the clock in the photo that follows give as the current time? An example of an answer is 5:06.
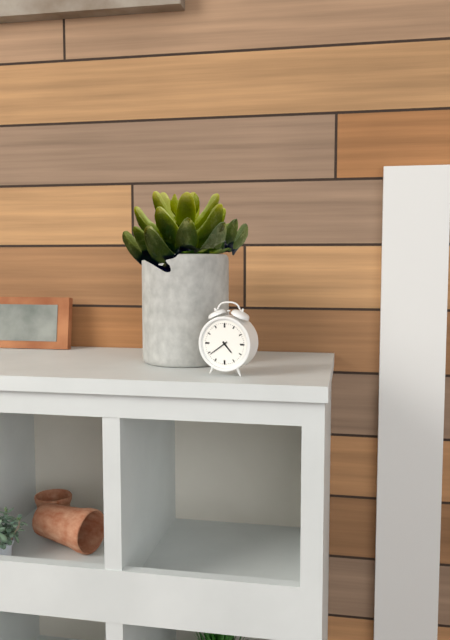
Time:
4:39
